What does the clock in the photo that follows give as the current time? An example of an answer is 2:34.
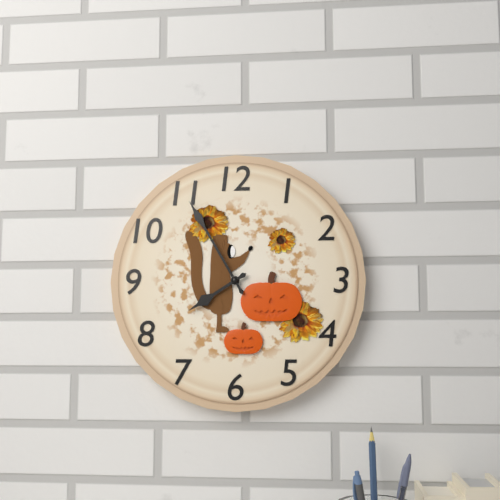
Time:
7:55
